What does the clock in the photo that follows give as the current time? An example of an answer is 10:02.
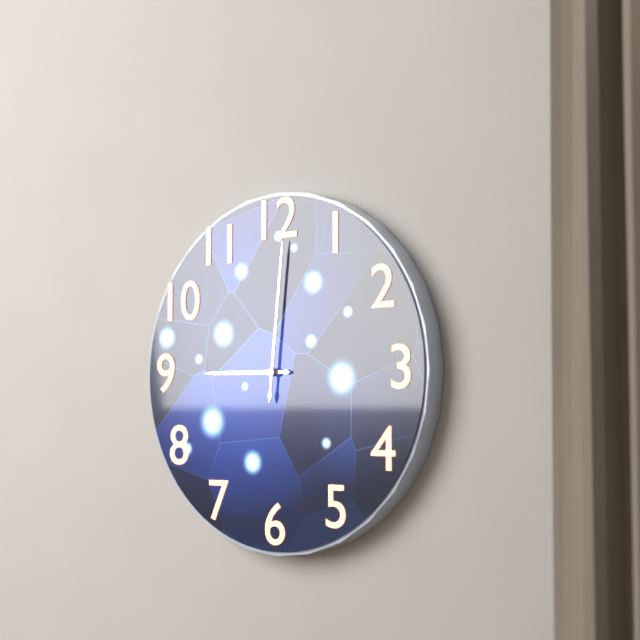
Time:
9:01
